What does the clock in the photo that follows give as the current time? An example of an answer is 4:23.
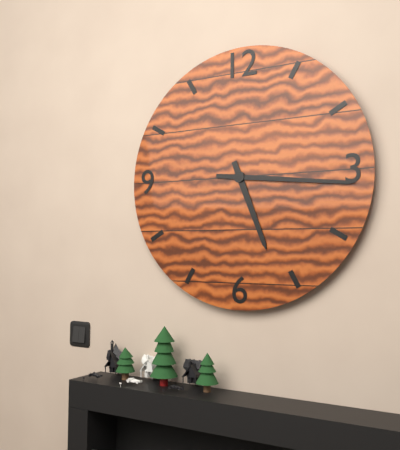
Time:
5:16
